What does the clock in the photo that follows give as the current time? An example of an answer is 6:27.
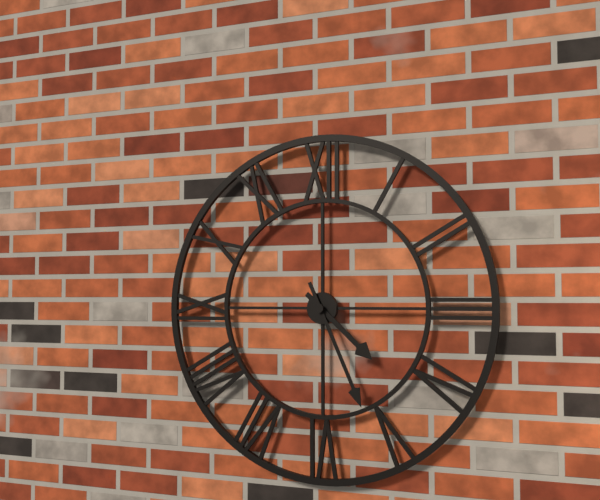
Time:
4:26
